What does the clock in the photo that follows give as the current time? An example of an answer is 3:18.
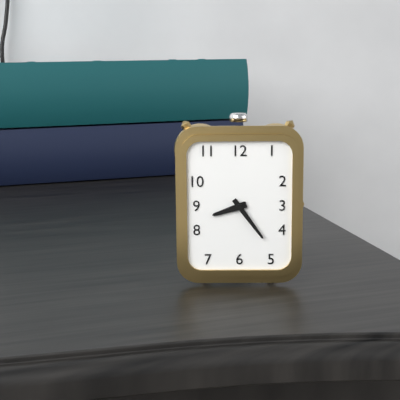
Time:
8:24
